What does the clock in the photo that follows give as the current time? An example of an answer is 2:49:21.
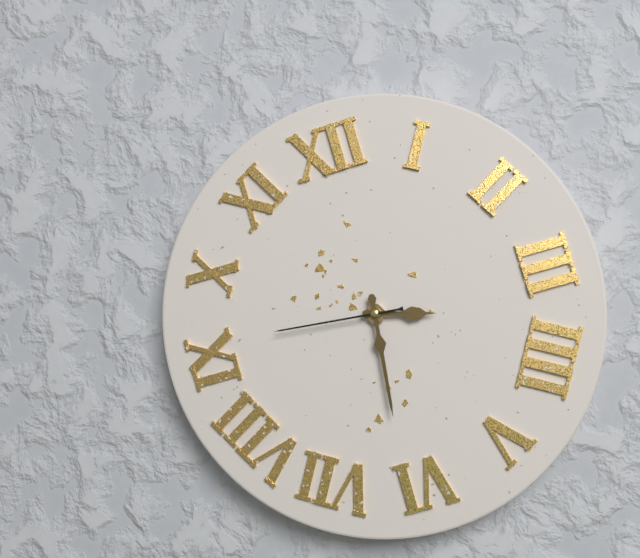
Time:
3:31:46
